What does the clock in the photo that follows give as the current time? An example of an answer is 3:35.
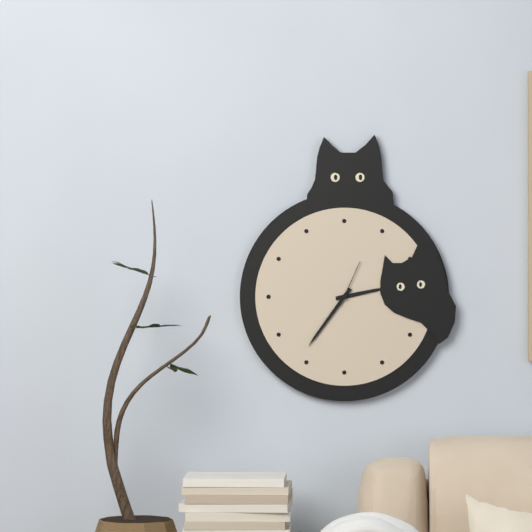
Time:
2:36
